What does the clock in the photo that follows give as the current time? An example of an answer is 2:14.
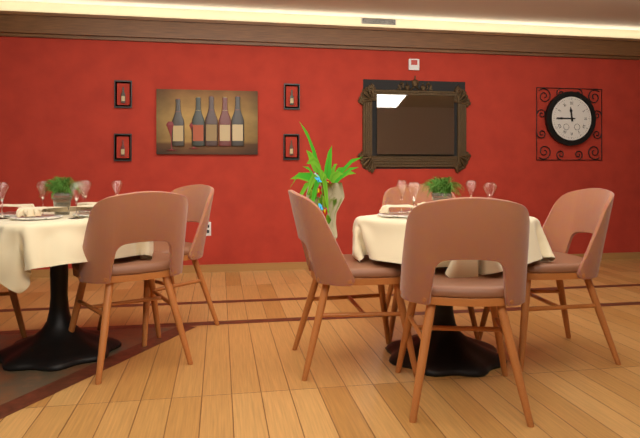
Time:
11:45
